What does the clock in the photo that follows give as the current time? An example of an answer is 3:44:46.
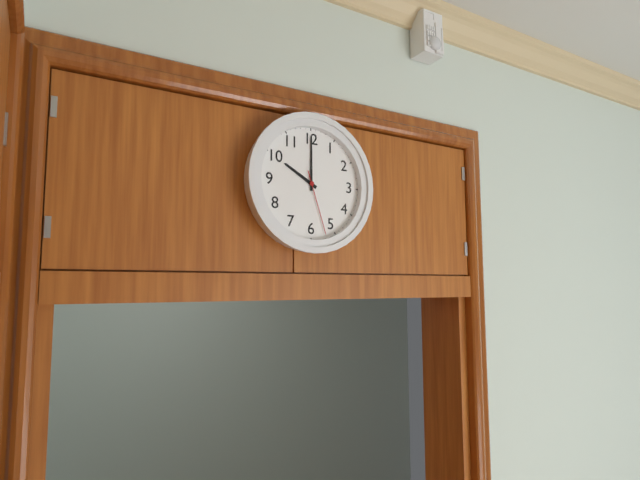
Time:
10:00:27
